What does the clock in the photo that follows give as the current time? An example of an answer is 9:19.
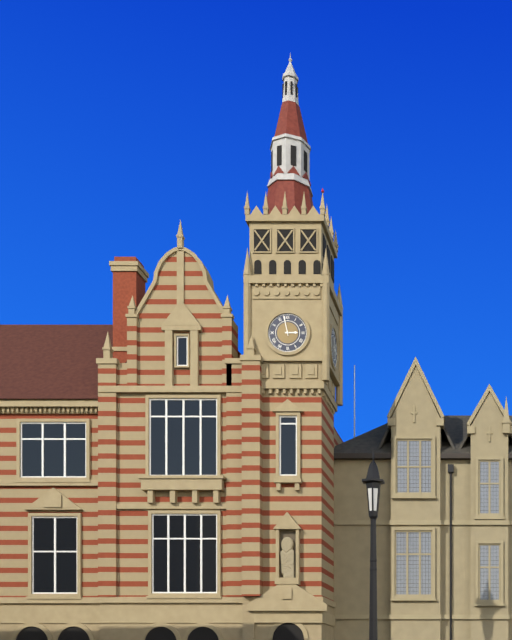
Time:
2:58
